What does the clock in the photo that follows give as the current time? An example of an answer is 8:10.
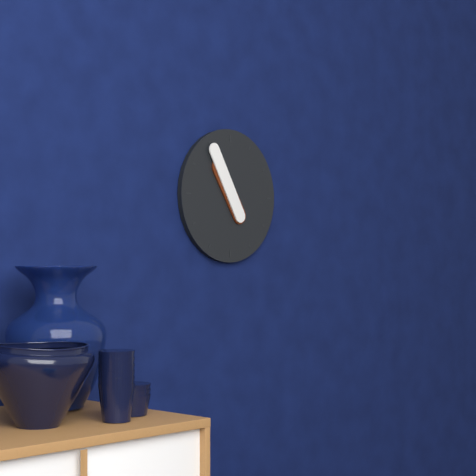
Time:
10:55
